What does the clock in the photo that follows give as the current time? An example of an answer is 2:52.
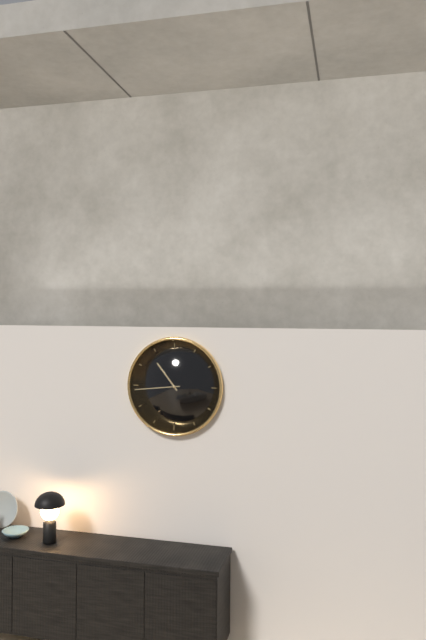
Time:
10:44
